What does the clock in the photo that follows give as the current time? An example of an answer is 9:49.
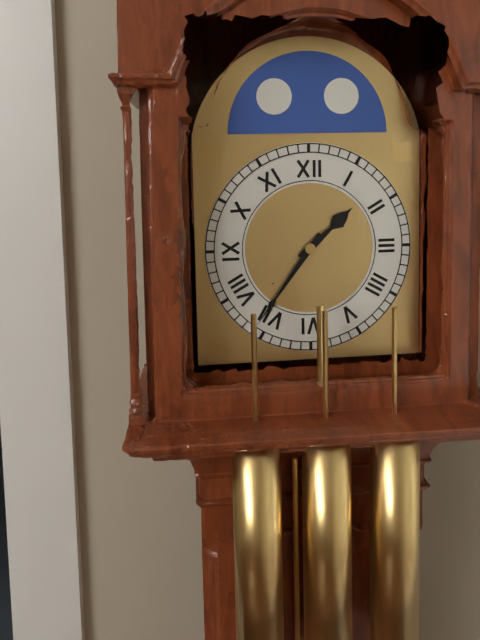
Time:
1:36
